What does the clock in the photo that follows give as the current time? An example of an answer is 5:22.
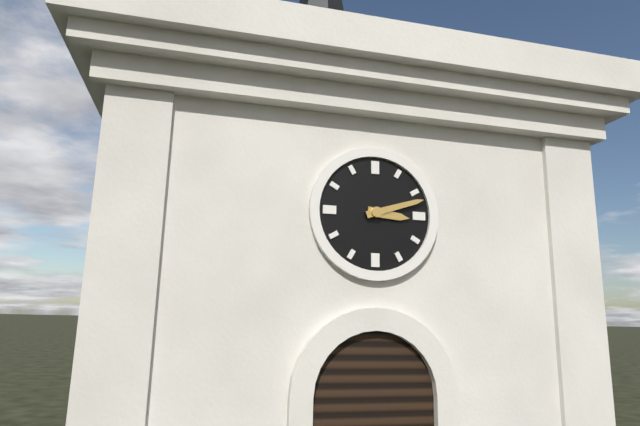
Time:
3:12
